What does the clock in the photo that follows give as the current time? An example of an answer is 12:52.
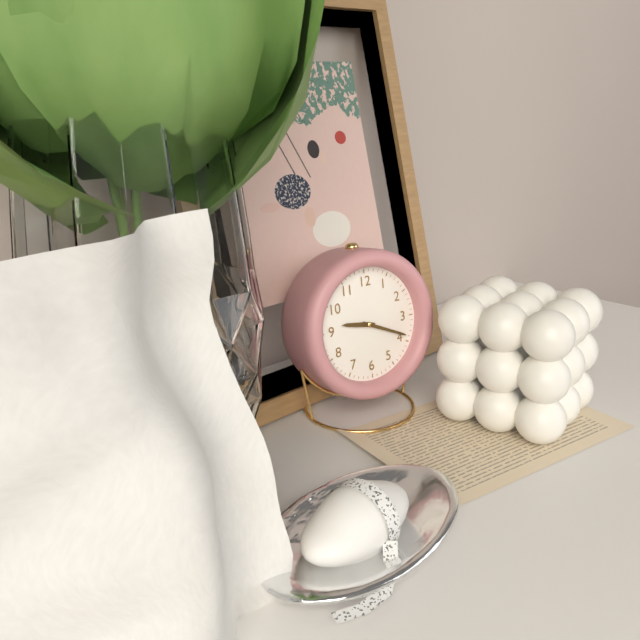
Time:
9:19
